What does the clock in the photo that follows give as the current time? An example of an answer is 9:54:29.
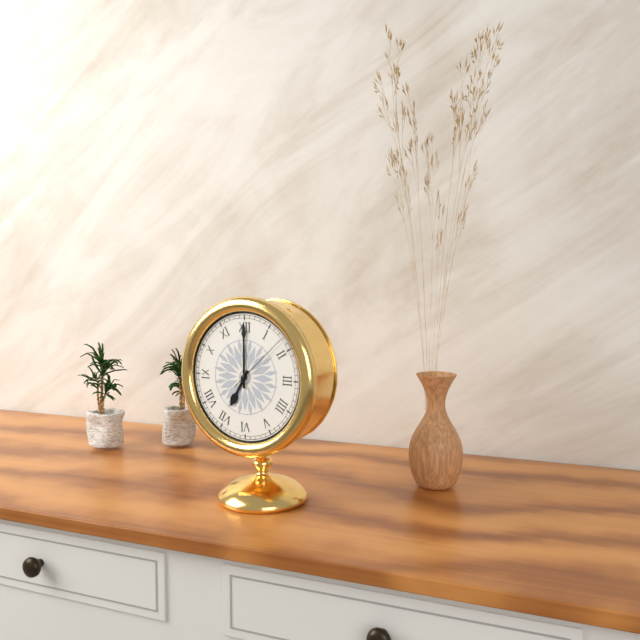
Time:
7:00:08
